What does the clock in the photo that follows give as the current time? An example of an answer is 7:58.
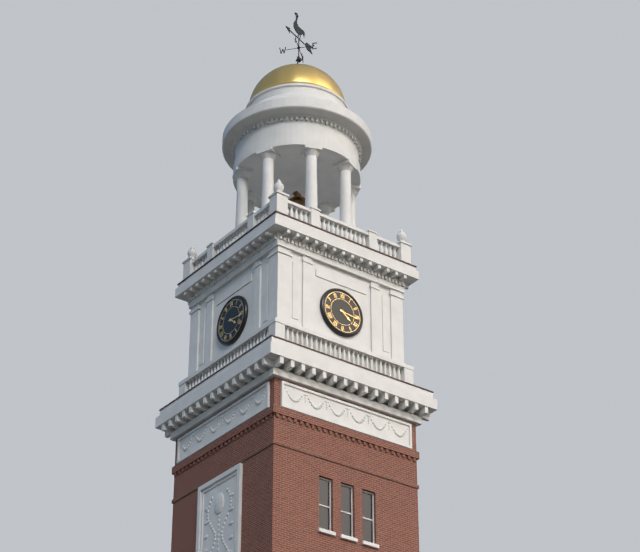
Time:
4:16
